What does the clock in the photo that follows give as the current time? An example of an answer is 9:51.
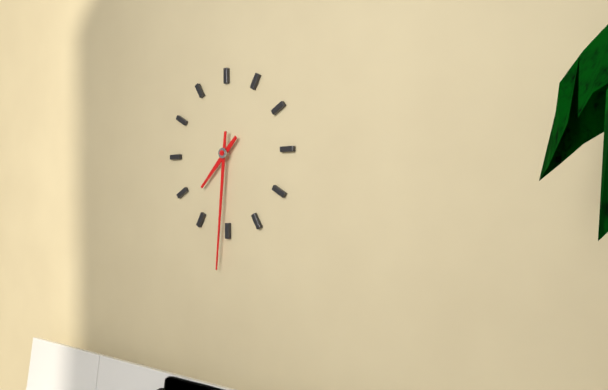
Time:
7:31
